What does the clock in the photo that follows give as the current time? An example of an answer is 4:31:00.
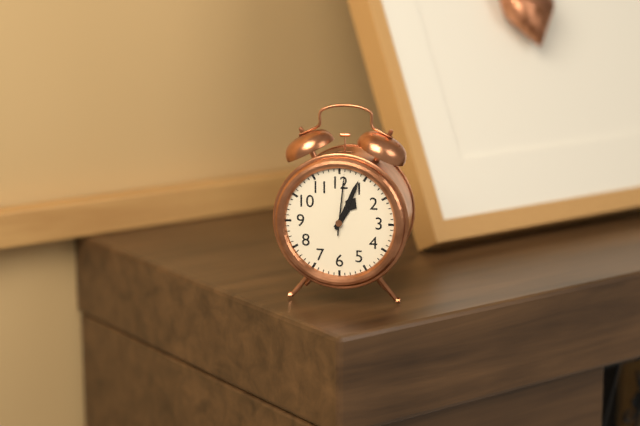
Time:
1:04:01
